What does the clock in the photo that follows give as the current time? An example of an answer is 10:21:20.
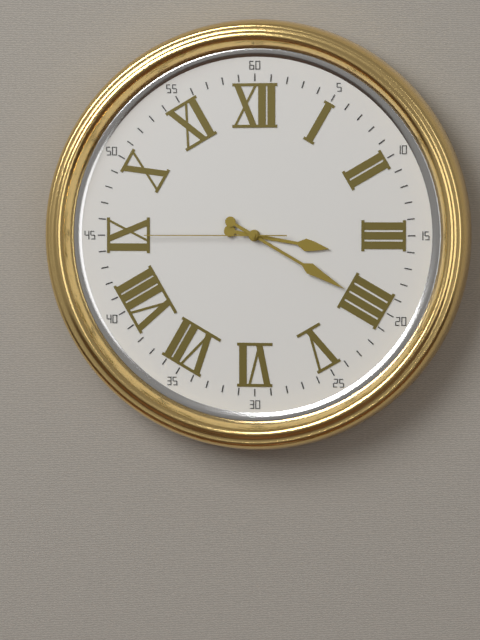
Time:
3:20:45
